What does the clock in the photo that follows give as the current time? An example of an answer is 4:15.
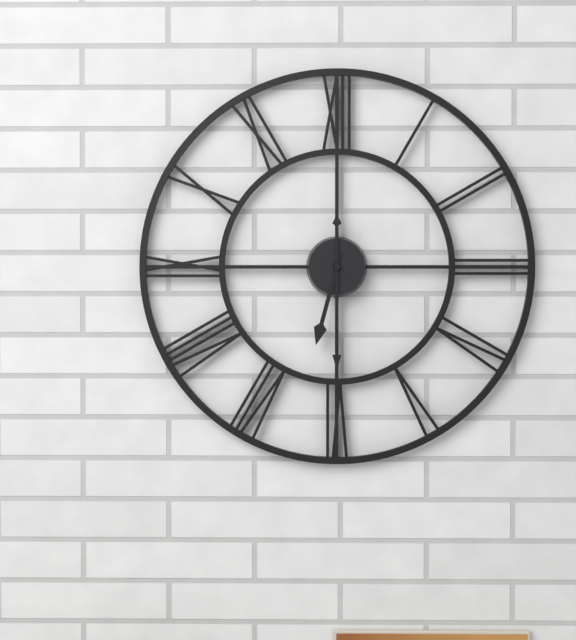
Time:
6:30
